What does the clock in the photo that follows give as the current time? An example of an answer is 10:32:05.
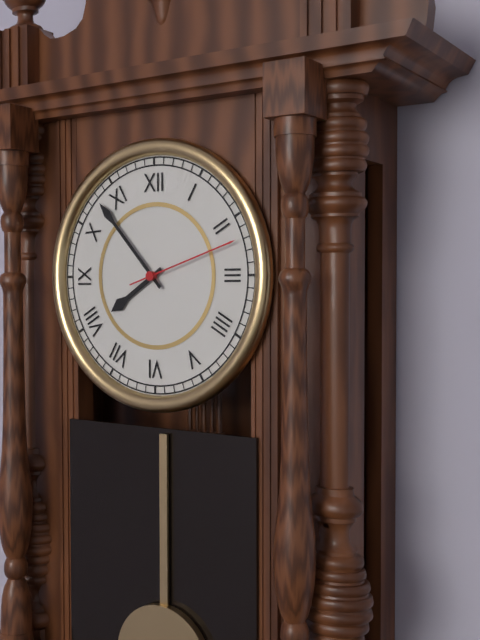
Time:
7:53:12
